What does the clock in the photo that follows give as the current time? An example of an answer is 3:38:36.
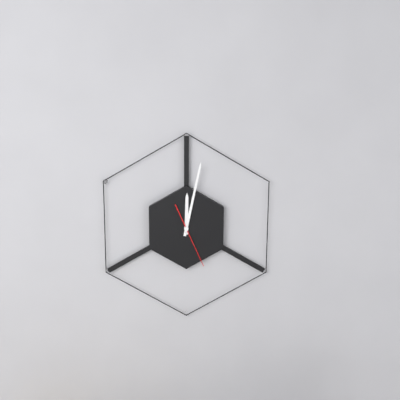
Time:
12:02:26
